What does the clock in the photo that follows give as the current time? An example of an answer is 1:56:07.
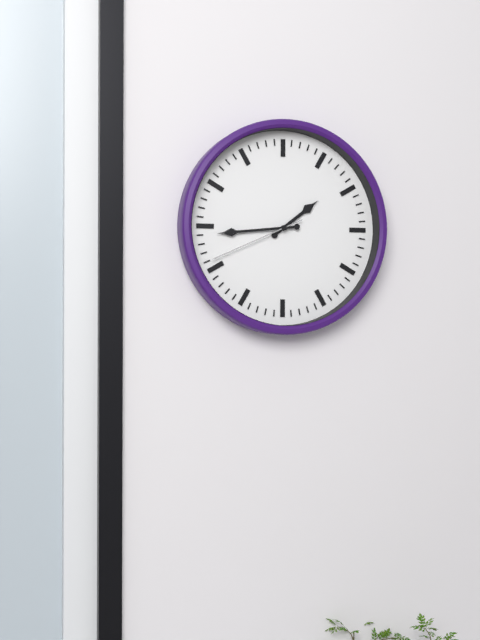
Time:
1:44:41
